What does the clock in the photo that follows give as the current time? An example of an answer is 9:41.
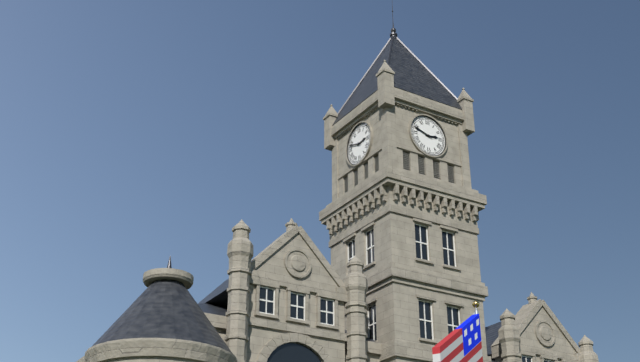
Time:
2:48
